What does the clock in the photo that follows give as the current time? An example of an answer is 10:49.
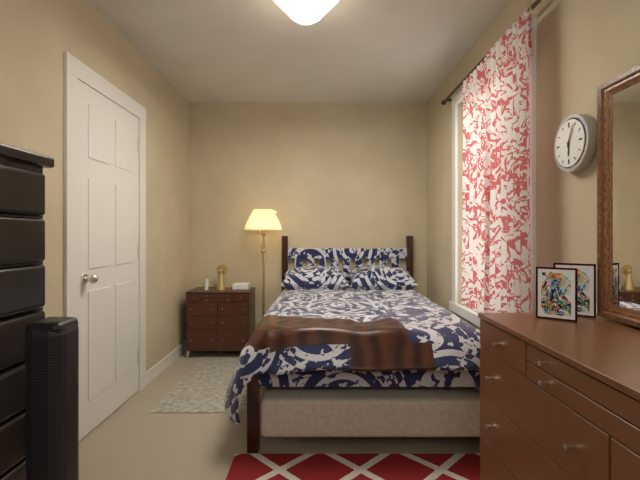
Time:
6:04
